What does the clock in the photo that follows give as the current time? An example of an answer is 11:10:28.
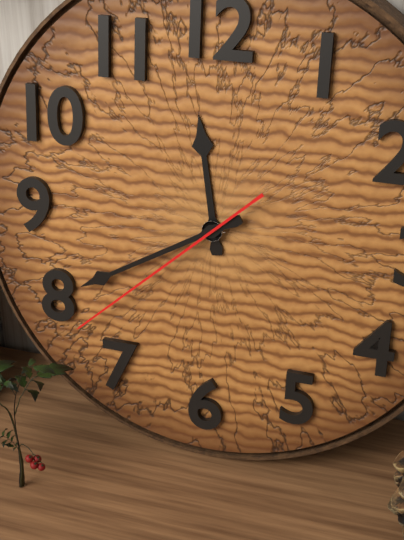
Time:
11:40:38
